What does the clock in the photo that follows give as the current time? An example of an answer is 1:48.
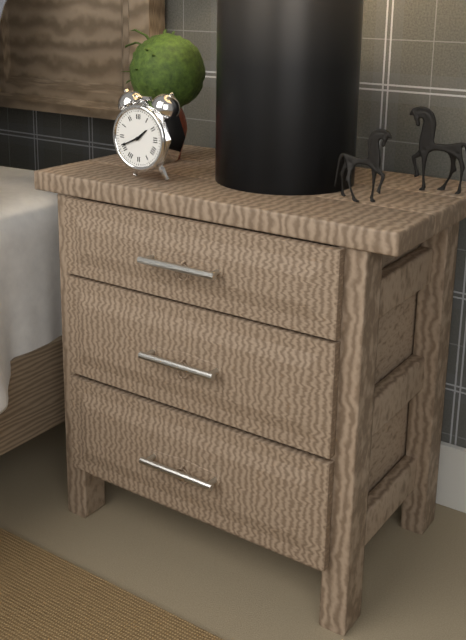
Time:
1:41
